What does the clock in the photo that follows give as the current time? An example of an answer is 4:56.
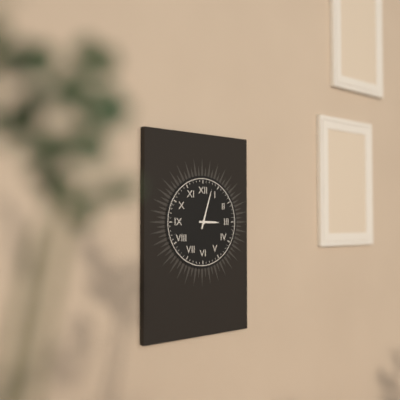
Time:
3:03
